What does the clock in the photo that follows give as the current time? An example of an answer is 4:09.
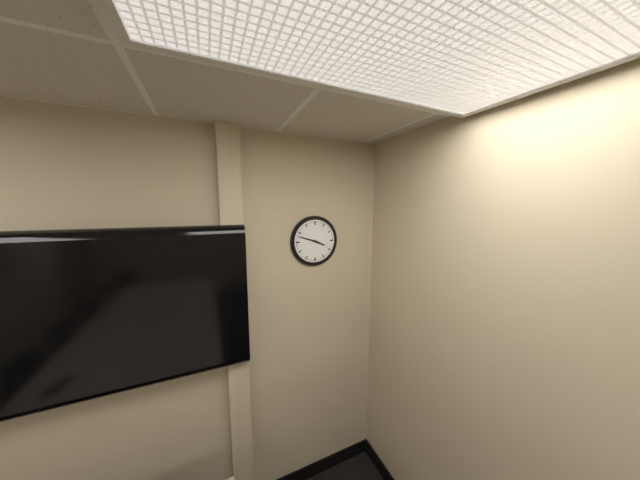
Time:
3:48
